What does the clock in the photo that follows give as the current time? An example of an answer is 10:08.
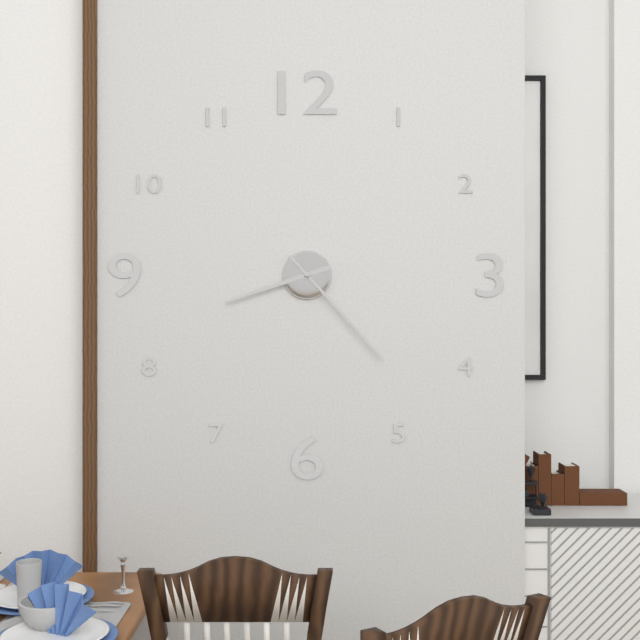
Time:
8:23
